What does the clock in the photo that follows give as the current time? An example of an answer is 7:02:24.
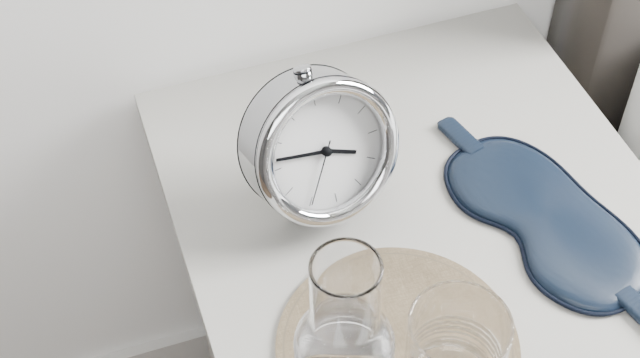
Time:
3:47:35
